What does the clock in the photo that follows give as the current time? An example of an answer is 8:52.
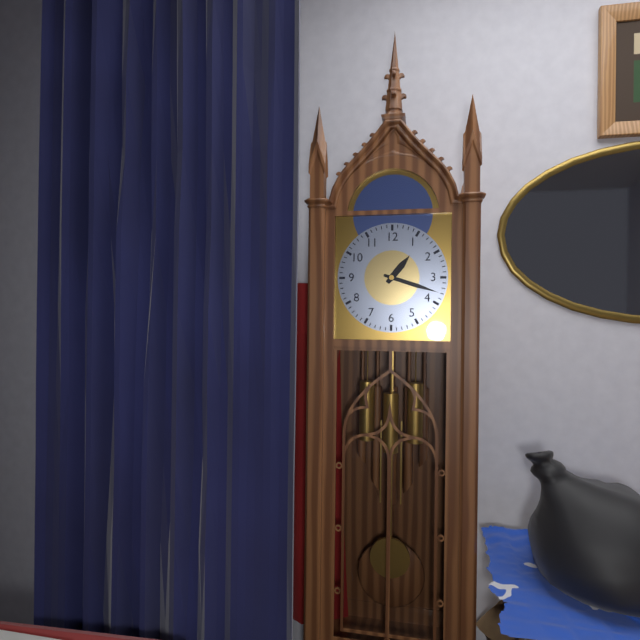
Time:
1:18
